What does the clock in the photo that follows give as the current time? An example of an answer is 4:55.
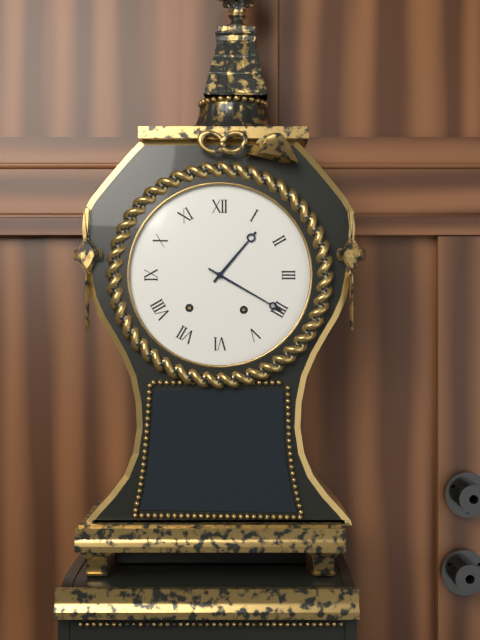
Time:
1:20
